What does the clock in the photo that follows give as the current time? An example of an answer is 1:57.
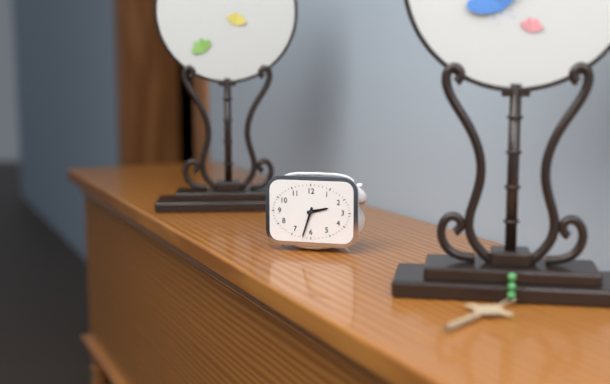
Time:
2:33
